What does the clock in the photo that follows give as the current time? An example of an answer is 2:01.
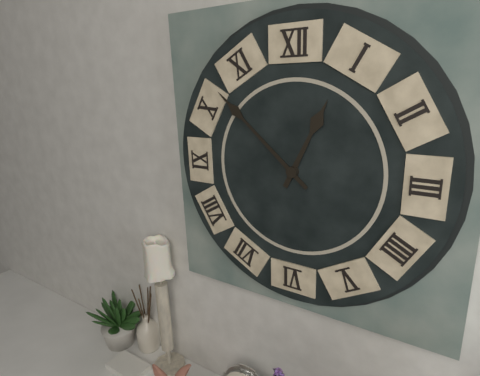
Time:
12:52
